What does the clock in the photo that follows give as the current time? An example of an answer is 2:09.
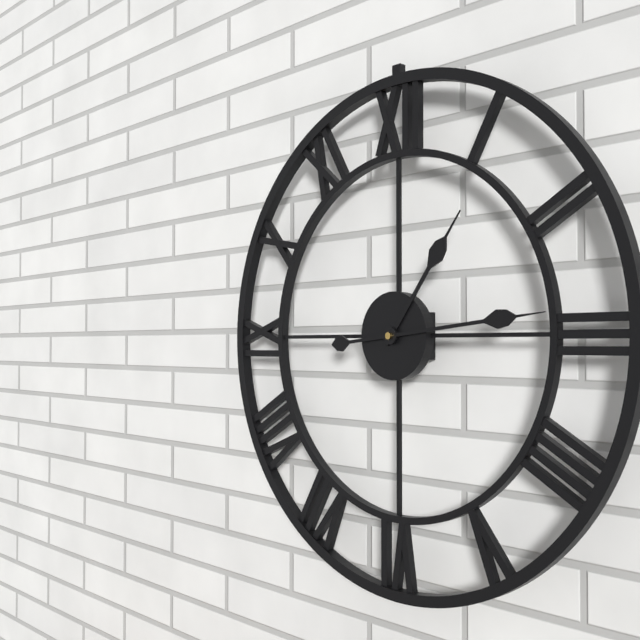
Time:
1:14
